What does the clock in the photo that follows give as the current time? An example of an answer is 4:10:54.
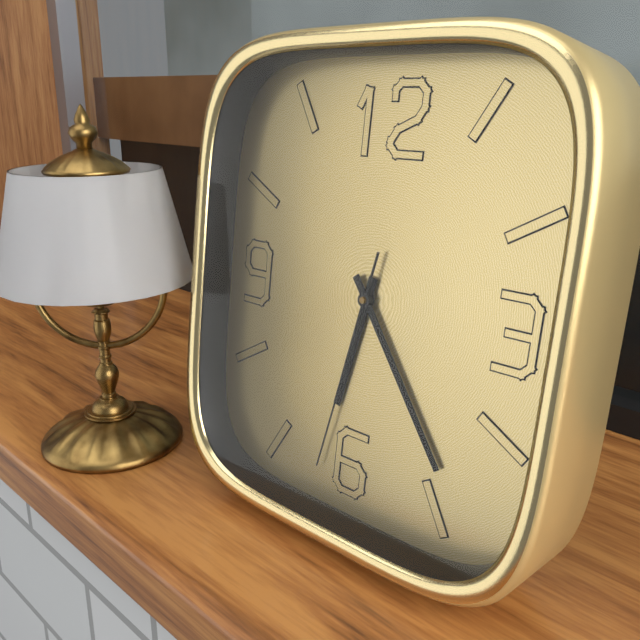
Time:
6:24:32
